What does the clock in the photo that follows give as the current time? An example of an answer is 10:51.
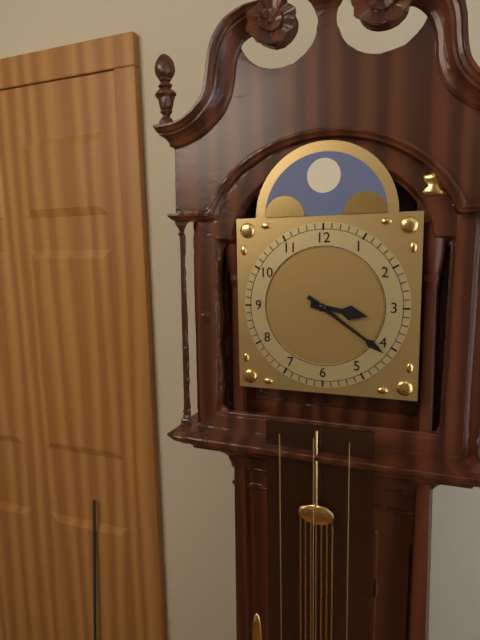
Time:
3:21
